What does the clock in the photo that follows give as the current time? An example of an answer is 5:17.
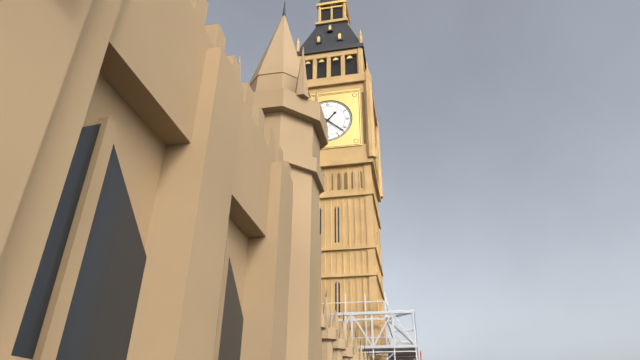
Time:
1:22
